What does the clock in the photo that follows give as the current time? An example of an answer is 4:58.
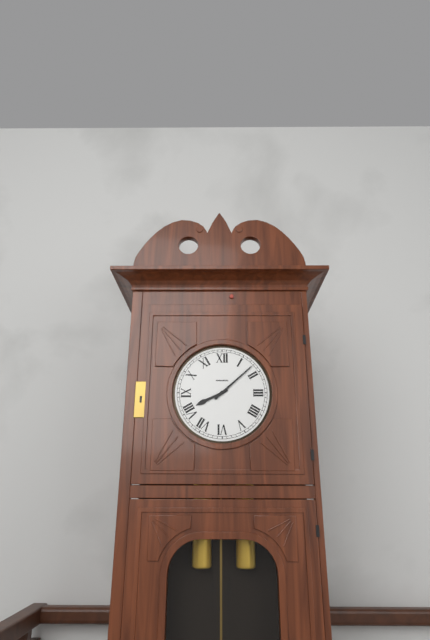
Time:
8:08
